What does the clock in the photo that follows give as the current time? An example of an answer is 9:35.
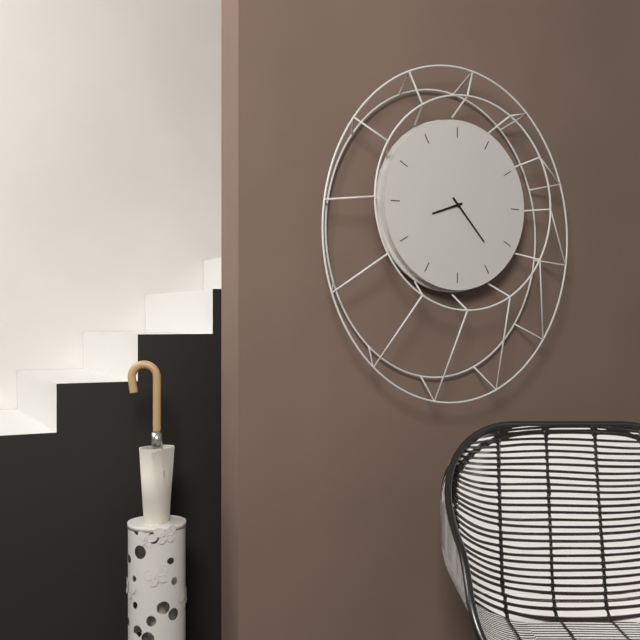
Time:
8:23
